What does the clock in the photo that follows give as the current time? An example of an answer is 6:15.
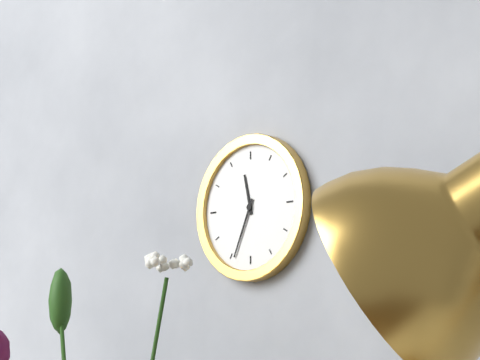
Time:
11:34
